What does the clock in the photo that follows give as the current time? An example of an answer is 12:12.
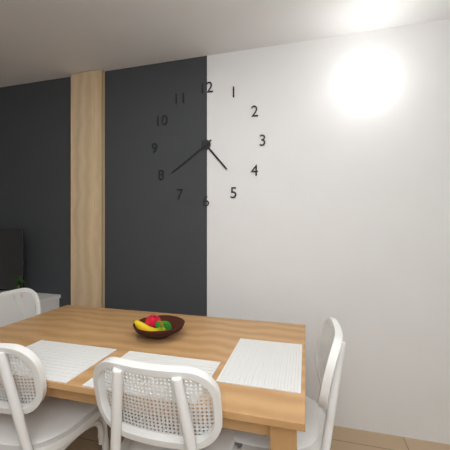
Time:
4:39
